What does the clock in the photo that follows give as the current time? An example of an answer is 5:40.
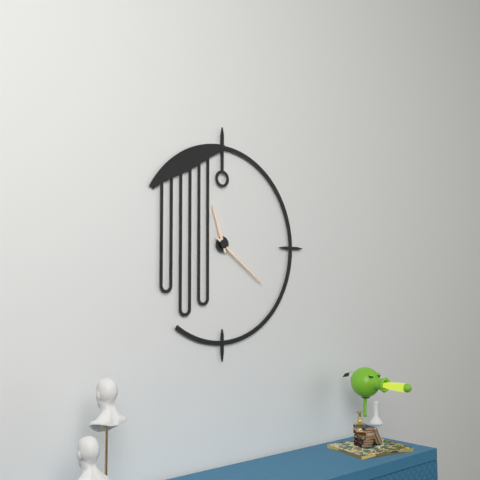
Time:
11:21
